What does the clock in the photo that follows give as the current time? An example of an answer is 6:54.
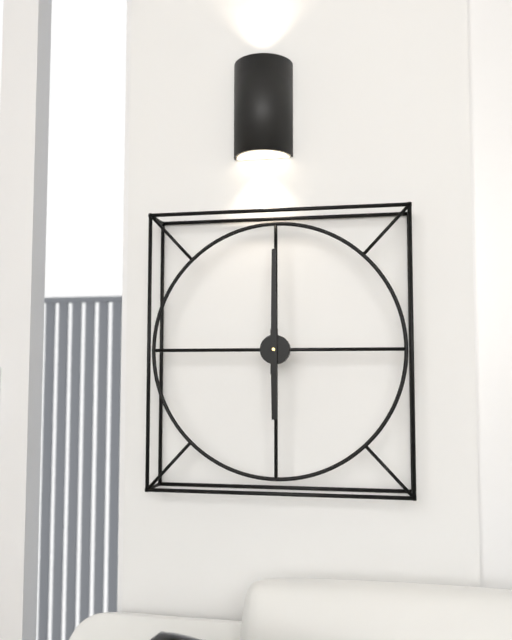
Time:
6:00
